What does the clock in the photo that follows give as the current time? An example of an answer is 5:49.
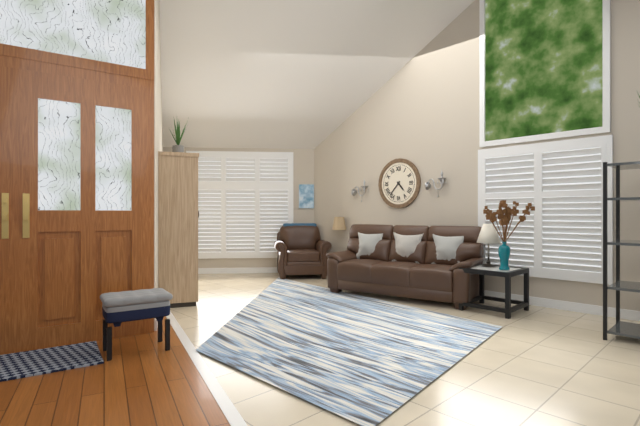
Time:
4:37
